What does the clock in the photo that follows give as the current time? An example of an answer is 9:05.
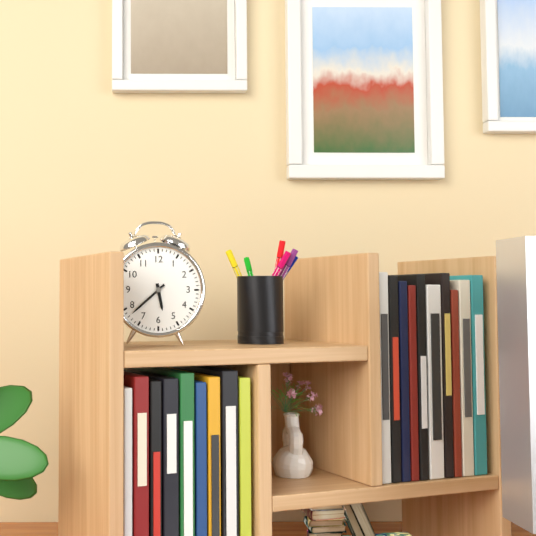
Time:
5:38
